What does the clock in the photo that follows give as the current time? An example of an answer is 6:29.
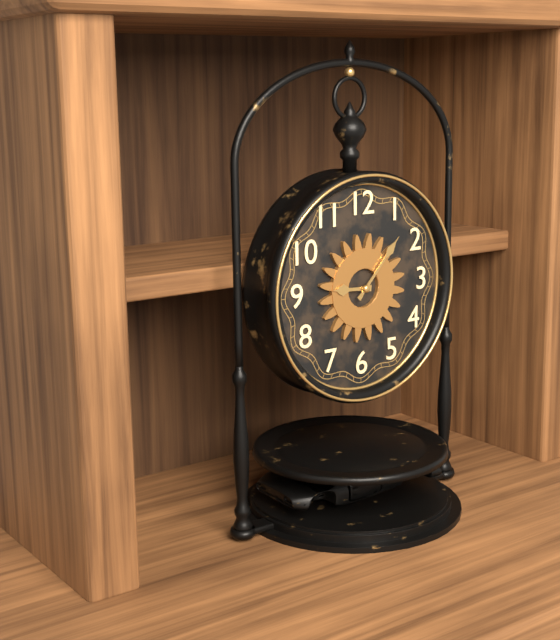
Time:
9:07
